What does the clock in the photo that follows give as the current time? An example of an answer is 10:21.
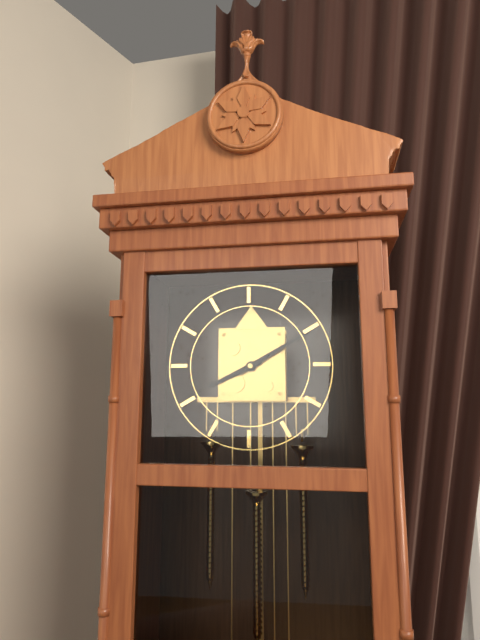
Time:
8:10
